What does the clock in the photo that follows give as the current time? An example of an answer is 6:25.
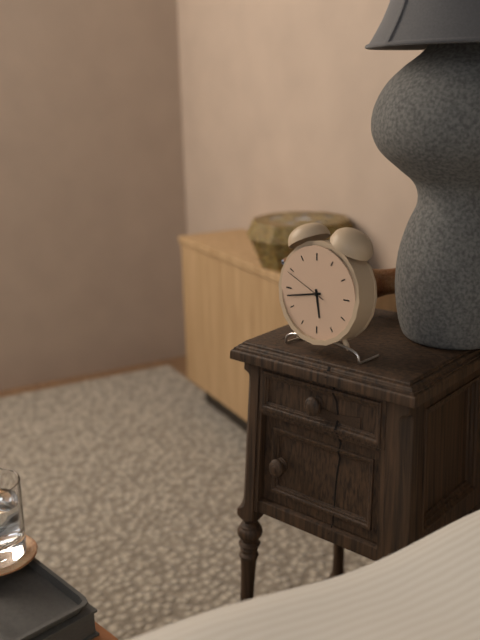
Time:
5:43
